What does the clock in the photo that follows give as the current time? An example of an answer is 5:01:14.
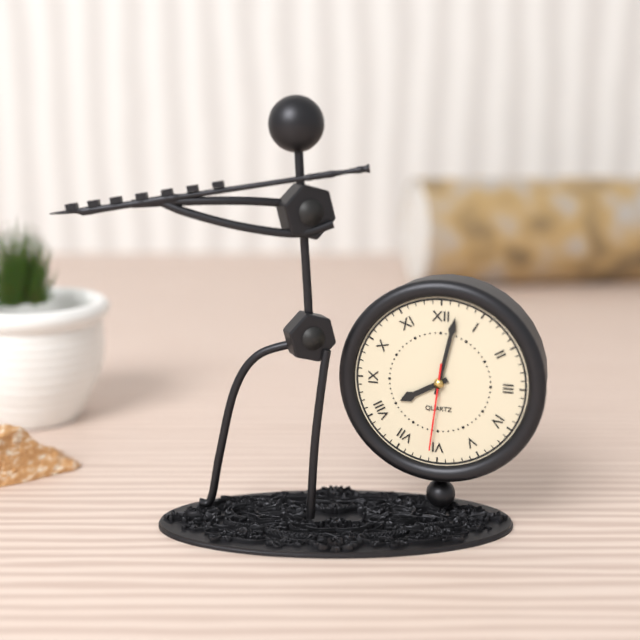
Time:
8:02:31
